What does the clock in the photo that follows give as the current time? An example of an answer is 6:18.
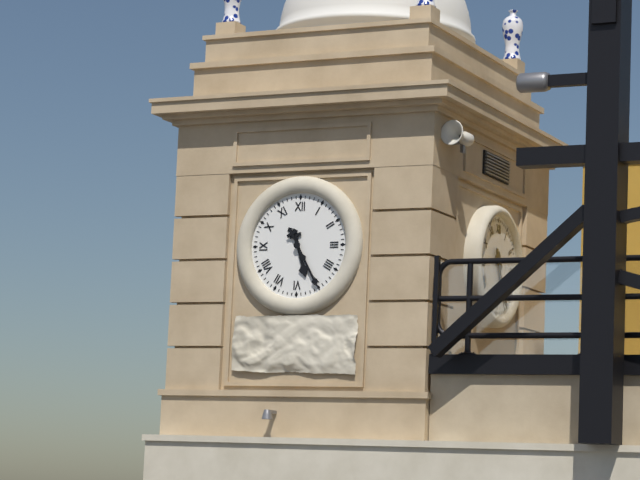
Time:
5:25
